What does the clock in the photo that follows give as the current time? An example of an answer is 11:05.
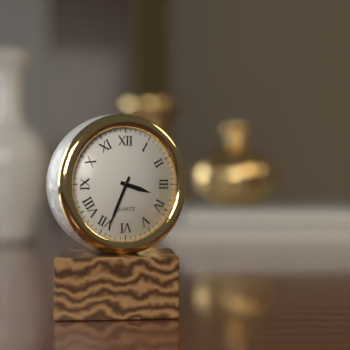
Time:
3:34
